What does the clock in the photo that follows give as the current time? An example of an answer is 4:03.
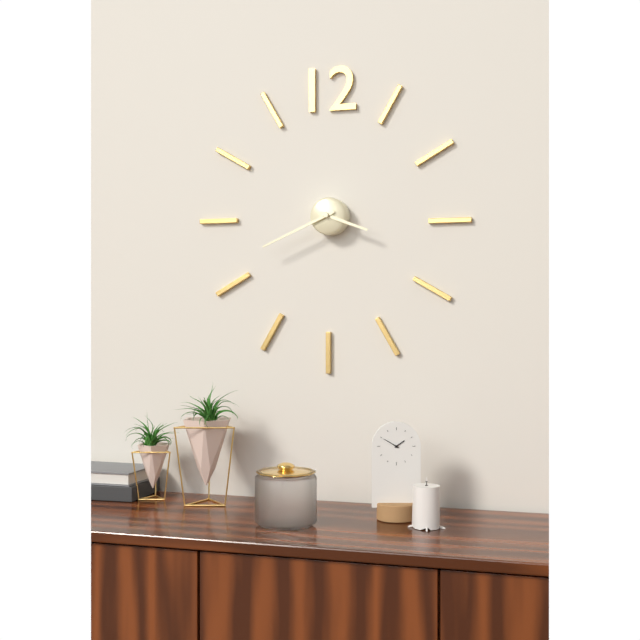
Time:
3:41
